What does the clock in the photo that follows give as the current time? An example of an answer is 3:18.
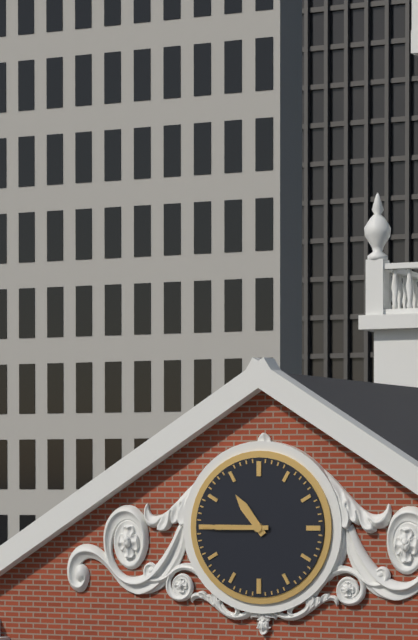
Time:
10:45
